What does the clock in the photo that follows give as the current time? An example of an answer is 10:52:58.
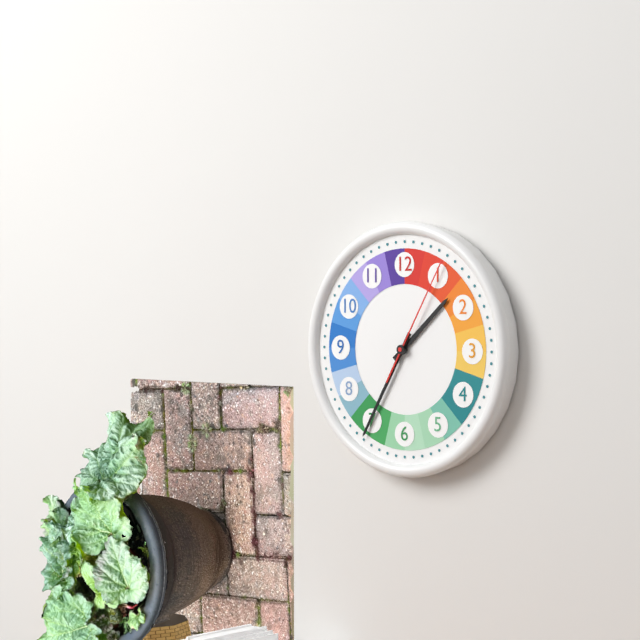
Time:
1:35:05
